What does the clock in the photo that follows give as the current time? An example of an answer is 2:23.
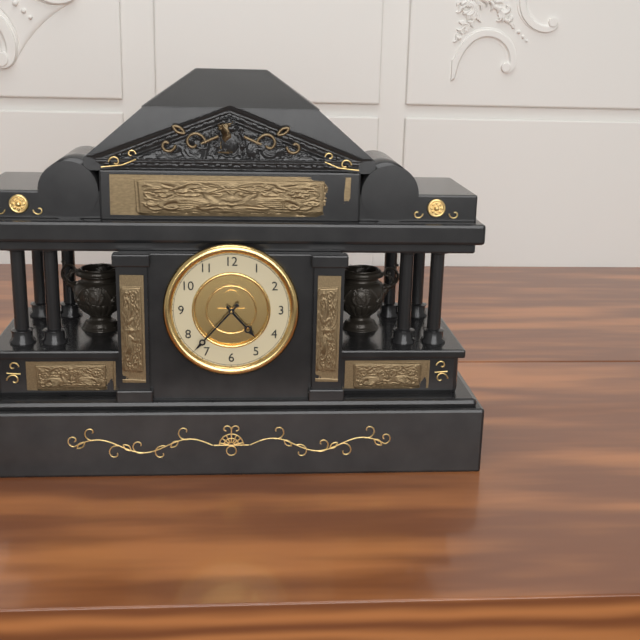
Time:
4:37
